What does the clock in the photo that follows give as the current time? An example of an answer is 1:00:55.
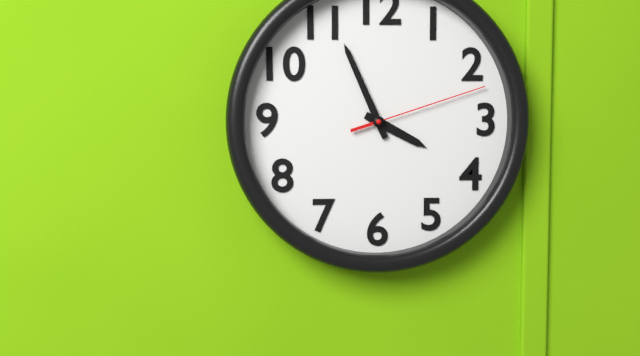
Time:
3:56:12
